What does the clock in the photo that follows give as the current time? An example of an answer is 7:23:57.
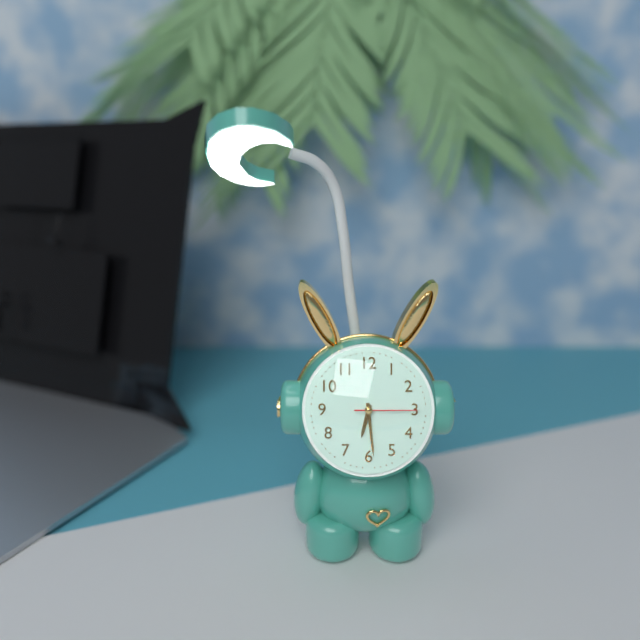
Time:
6:29:15
